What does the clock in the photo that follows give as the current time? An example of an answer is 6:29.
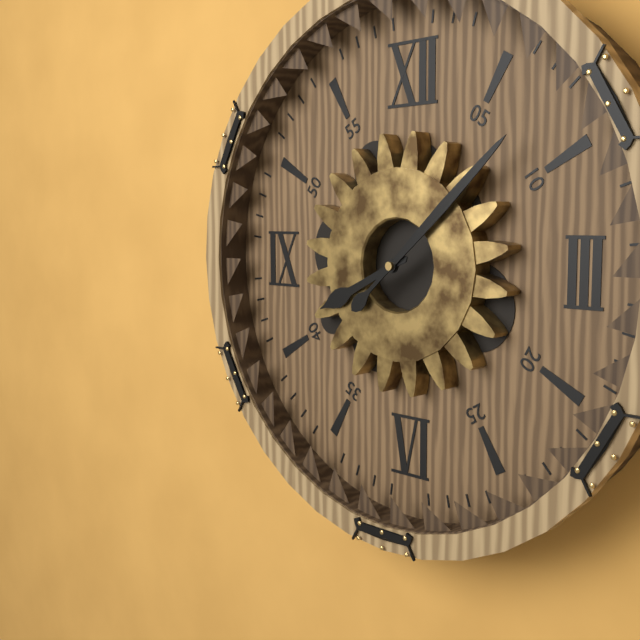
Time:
8:08
